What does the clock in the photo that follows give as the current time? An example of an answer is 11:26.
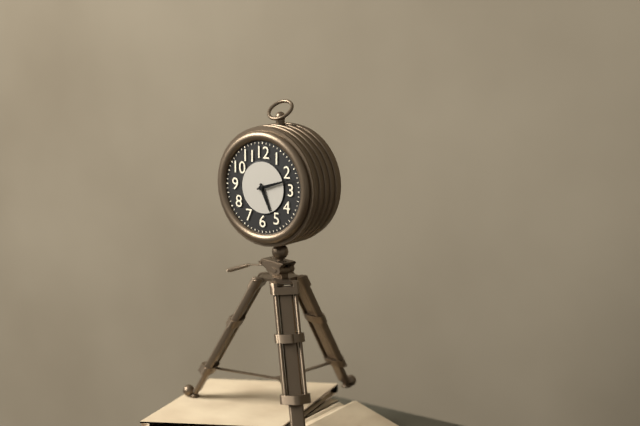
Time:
5:12
